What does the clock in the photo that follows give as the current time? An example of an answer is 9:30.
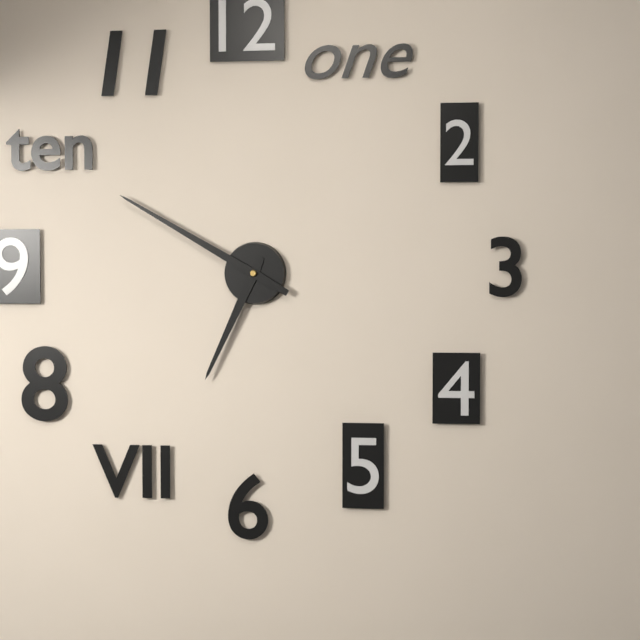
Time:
6:50
